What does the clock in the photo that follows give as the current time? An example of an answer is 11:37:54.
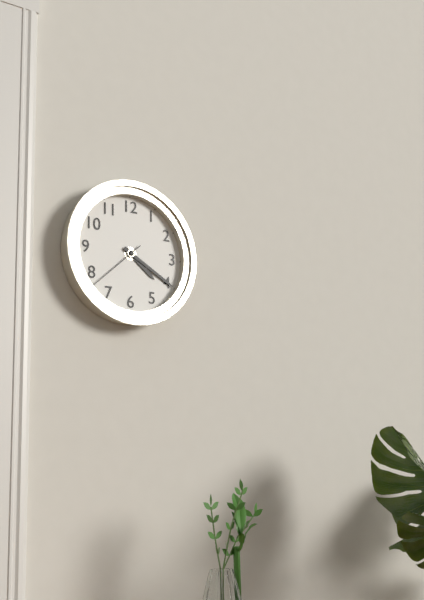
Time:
4:20:38
